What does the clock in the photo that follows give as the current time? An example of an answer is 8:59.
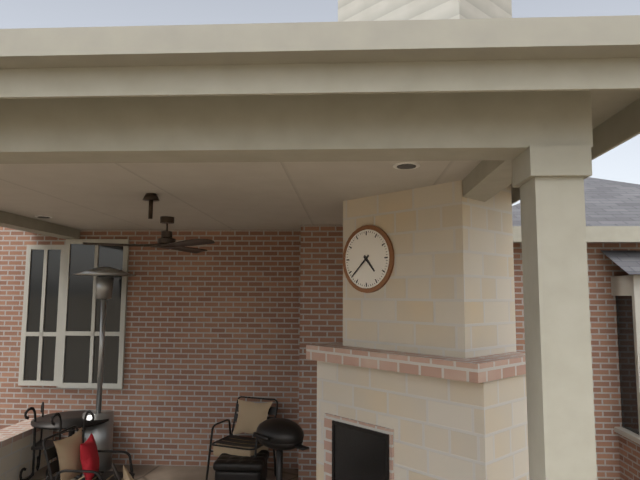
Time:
4:38
